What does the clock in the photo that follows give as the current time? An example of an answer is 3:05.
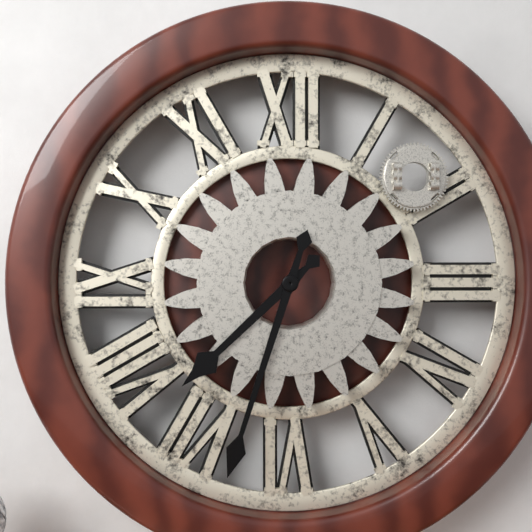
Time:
7:33
